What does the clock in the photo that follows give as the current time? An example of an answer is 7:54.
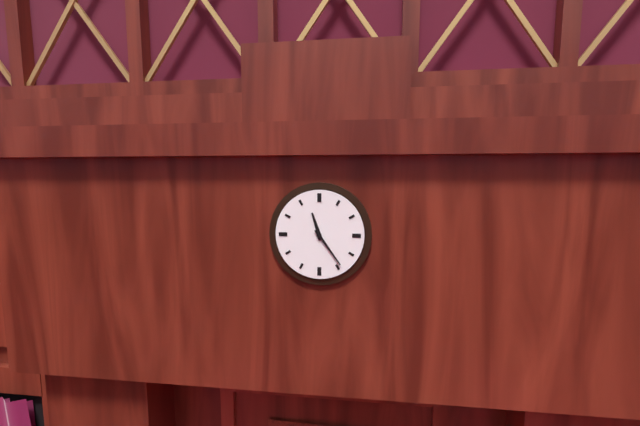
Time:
11:24
